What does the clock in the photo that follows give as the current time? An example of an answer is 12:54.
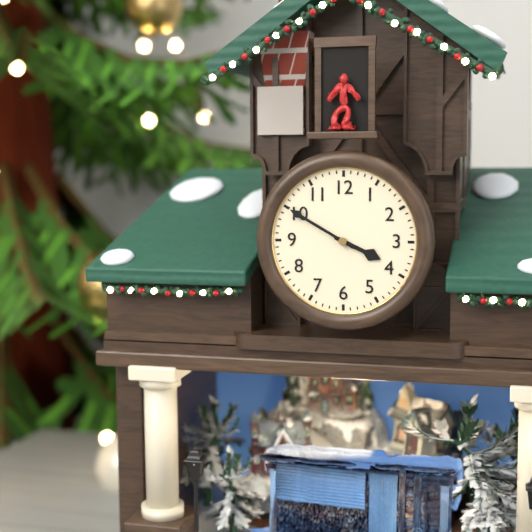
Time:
3:50
